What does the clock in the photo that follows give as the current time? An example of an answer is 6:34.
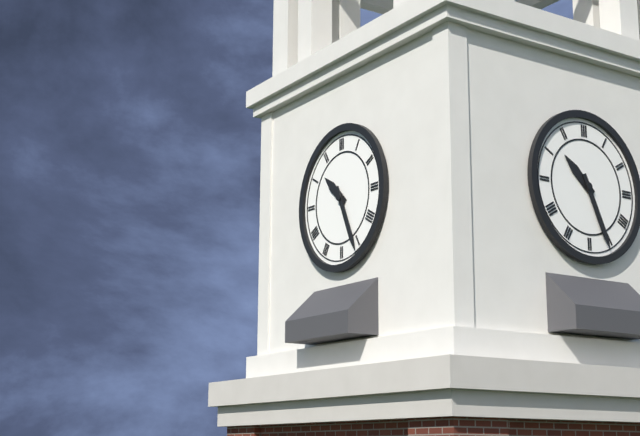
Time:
10:26
